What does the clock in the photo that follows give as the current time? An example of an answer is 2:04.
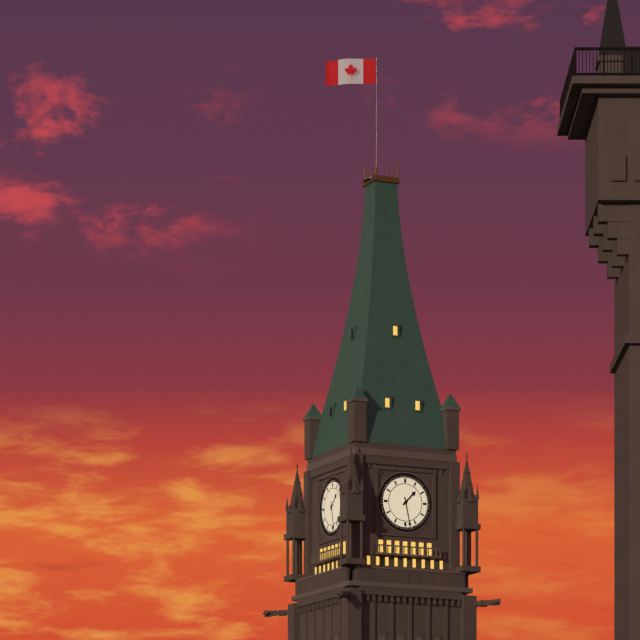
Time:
1:28
